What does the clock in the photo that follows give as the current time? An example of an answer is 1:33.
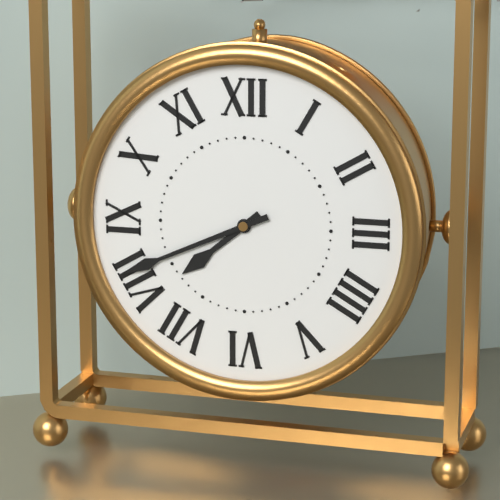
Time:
7:41
